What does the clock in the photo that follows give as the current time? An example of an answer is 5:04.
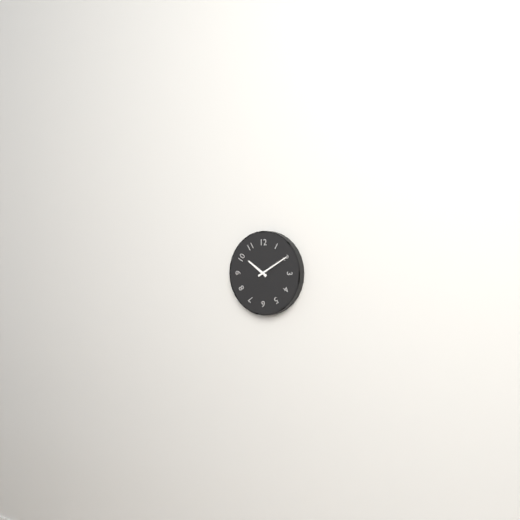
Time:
10:10
